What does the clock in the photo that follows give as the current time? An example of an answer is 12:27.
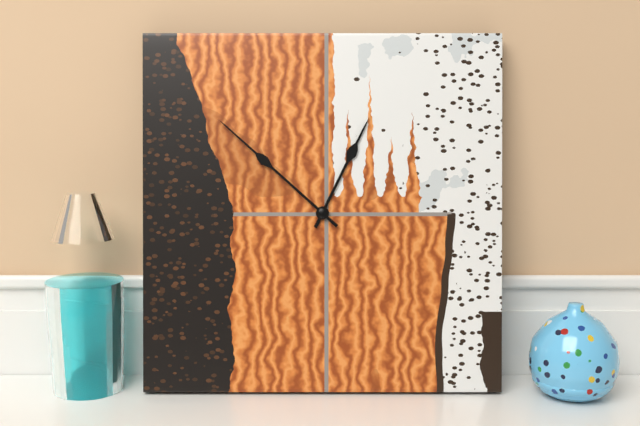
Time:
12:52
